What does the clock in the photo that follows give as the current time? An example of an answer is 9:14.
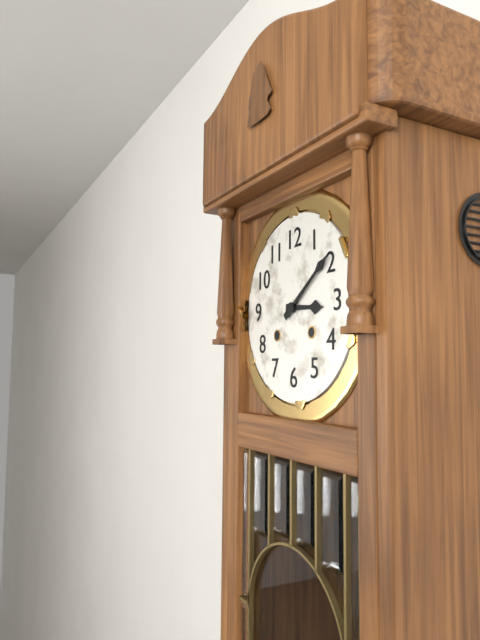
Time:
3:09
